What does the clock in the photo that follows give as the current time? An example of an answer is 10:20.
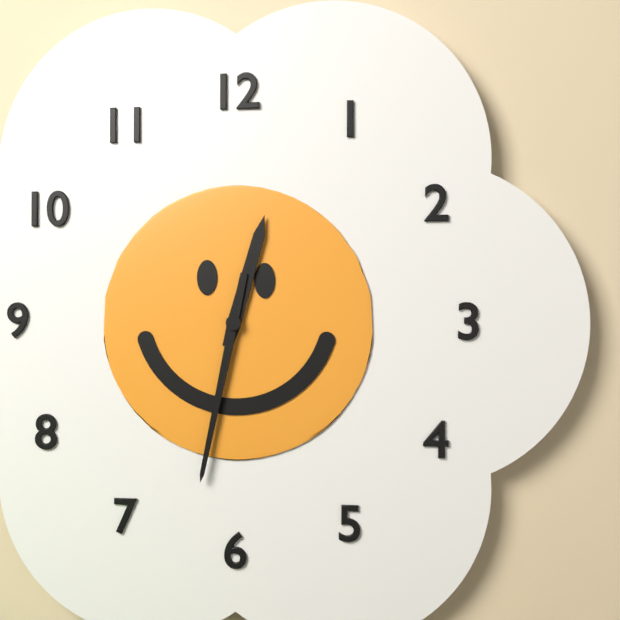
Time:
12:32
